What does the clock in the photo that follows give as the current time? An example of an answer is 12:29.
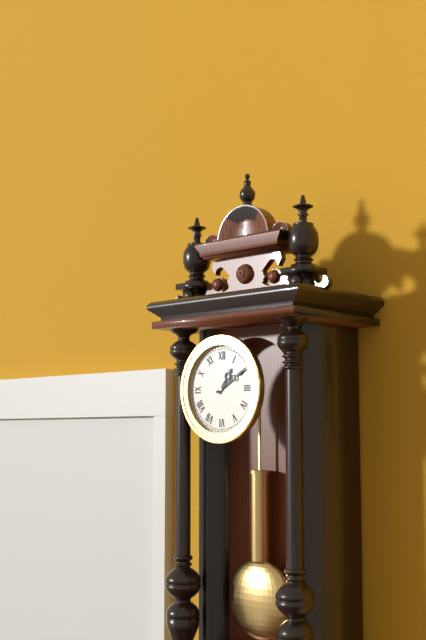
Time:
1:10
